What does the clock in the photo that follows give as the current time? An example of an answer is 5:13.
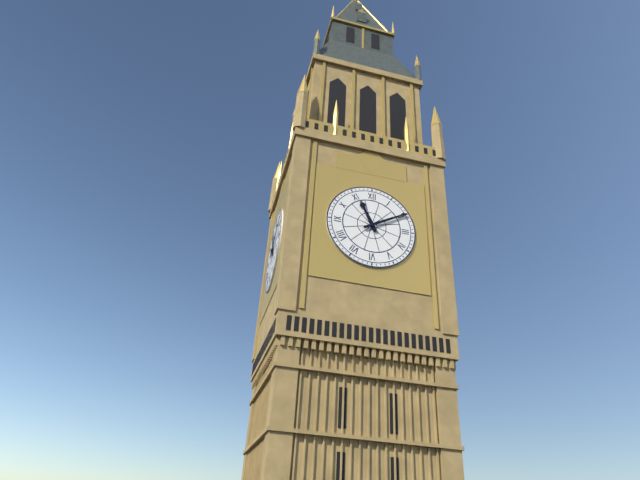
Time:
11:10
